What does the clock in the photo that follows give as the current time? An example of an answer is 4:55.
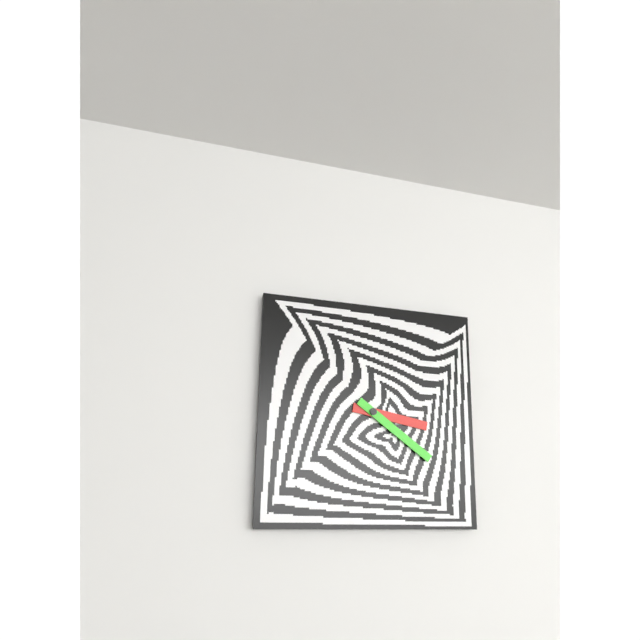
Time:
3:21
